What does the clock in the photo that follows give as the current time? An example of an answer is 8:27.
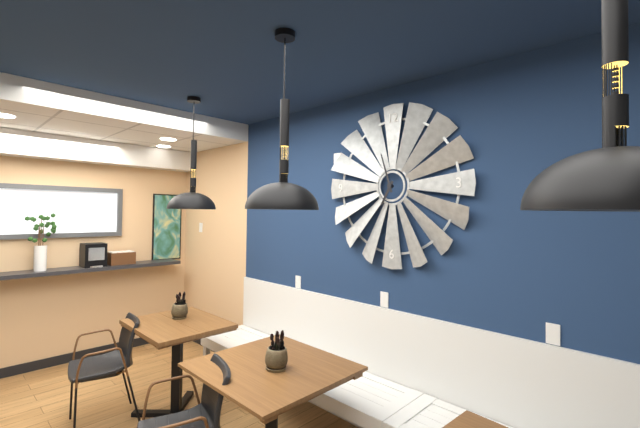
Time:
6:57
